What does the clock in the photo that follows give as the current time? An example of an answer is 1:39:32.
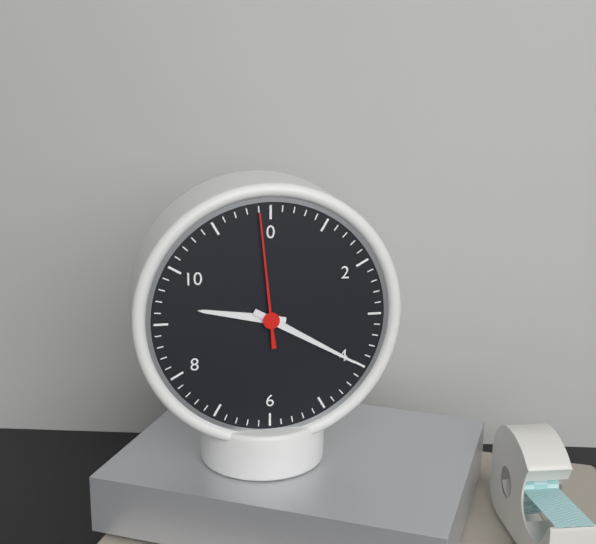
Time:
9:20:59
